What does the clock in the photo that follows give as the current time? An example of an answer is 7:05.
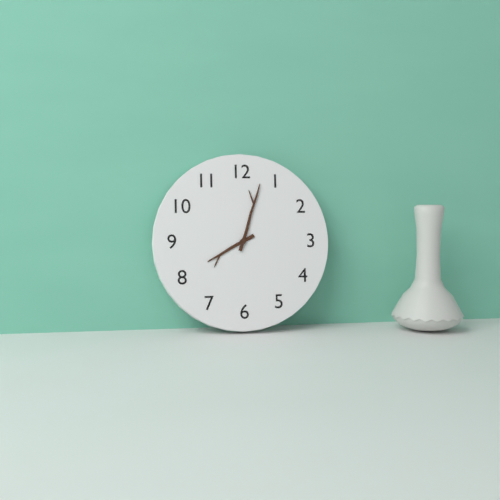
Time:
8:03
